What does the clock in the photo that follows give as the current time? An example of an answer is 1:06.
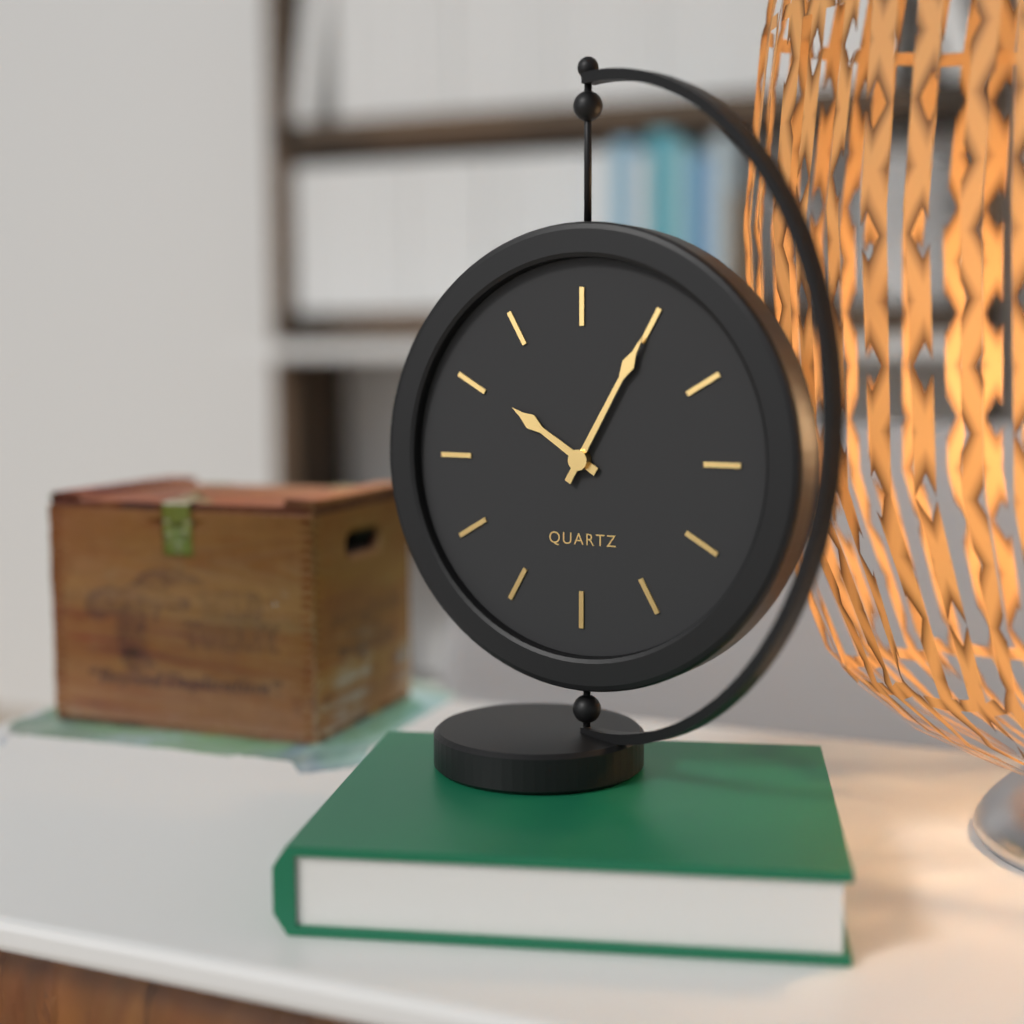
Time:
10:05
